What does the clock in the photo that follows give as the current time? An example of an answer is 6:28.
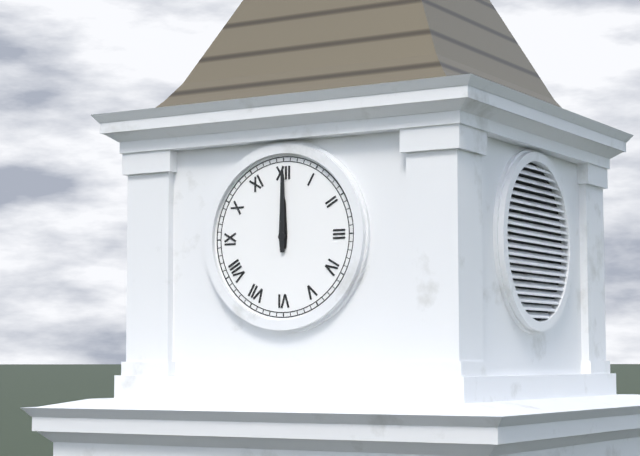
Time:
12:00
